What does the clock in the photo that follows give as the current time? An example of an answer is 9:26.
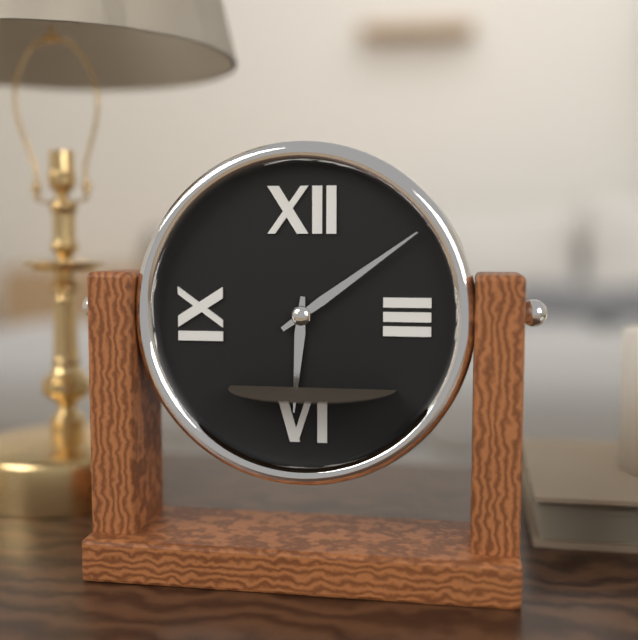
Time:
6:09
